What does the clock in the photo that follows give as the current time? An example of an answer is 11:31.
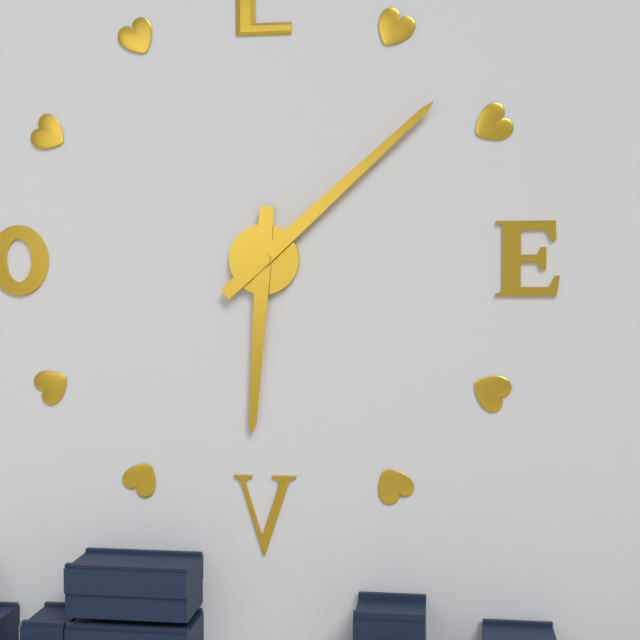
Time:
6:08
